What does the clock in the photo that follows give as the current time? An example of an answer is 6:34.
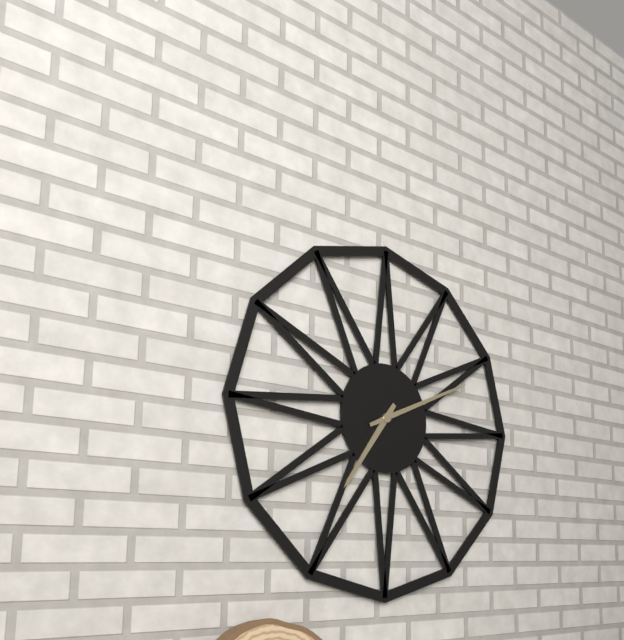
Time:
7:11
